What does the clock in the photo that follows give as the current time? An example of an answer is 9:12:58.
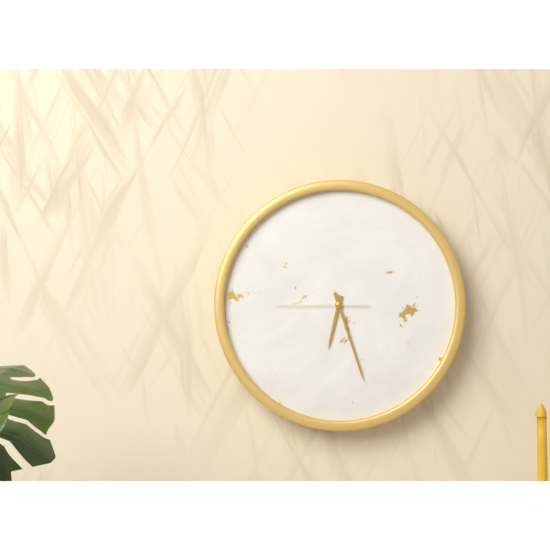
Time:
6:27:45
